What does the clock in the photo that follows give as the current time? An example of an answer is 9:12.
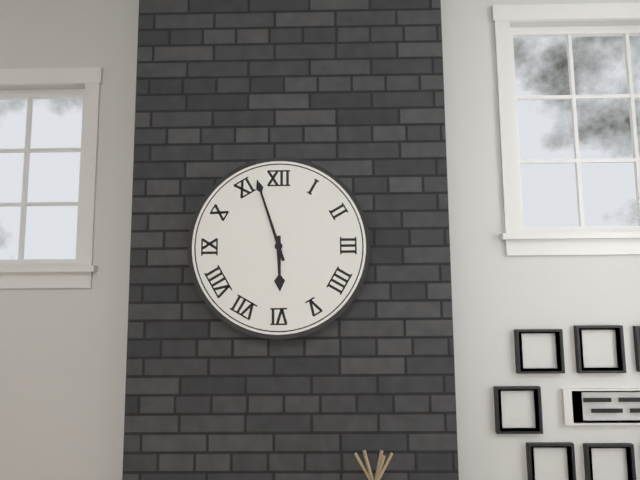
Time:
5:57
